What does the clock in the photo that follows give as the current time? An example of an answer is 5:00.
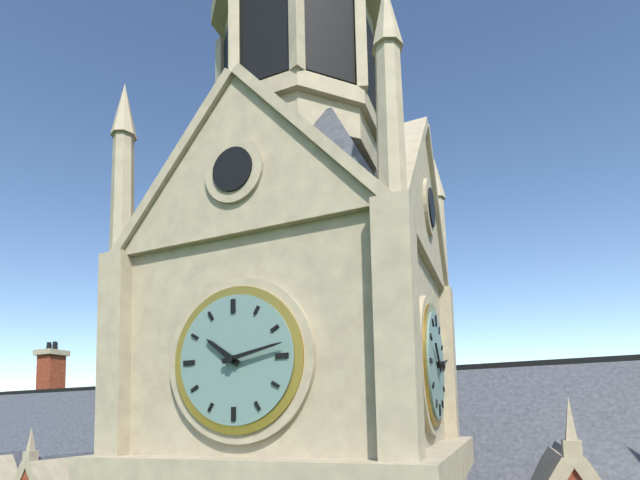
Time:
10:13
